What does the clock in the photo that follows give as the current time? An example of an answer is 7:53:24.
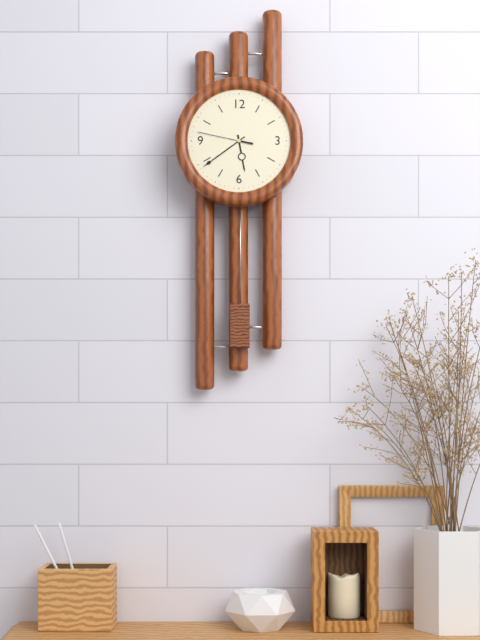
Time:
5:39:47
